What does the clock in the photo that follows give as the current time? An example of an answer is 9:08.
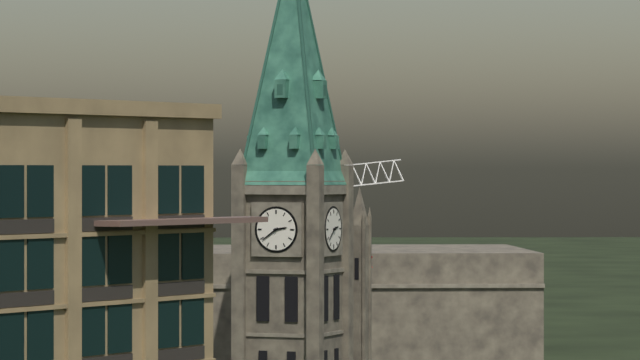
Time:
2:39
